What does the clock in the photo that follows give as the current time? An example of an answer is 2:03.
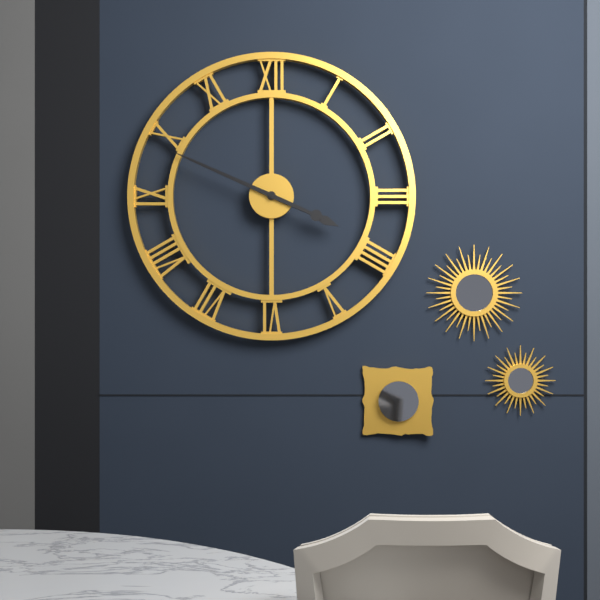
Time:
3:49
